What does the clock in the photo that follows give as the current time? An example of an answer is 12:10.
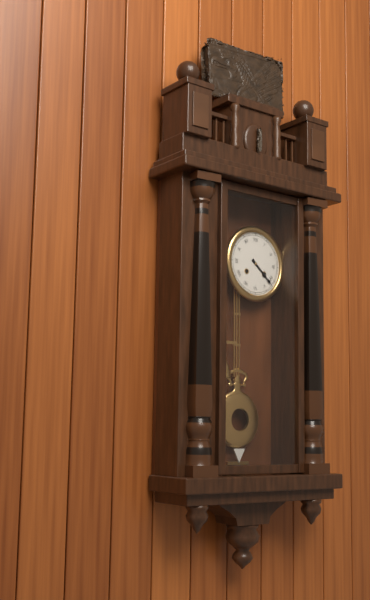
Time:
4:22
